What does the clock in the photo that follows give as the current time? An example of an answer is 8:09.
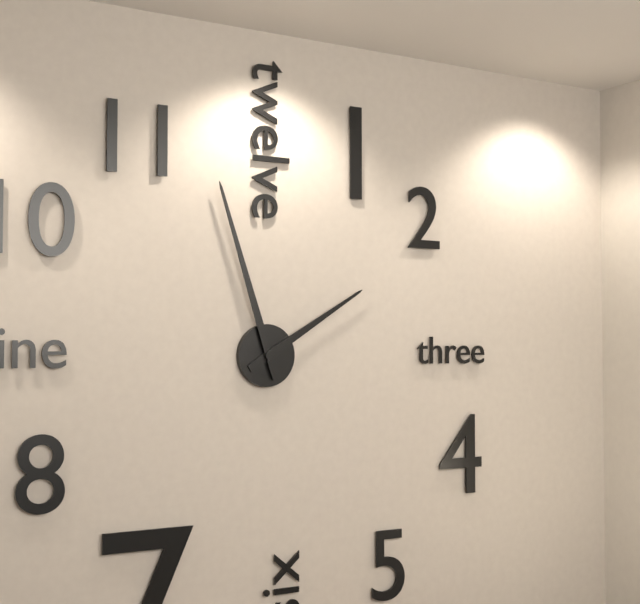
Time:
1:57
